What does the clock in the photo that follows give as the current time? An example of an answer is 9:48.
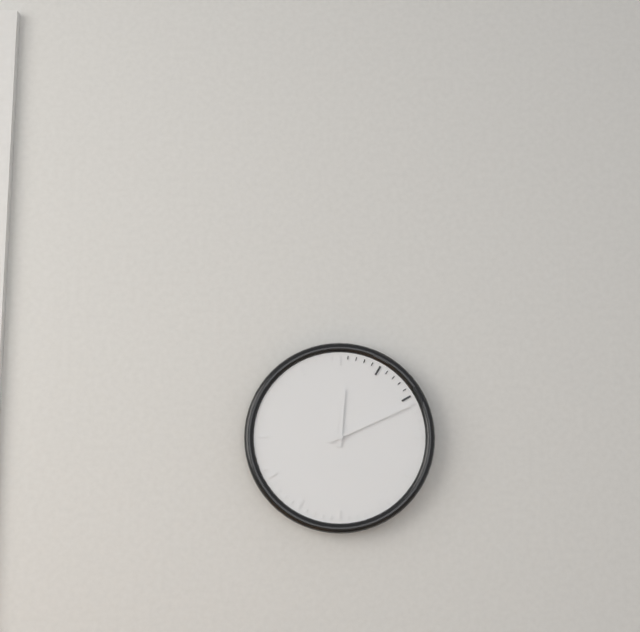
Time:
12:11
